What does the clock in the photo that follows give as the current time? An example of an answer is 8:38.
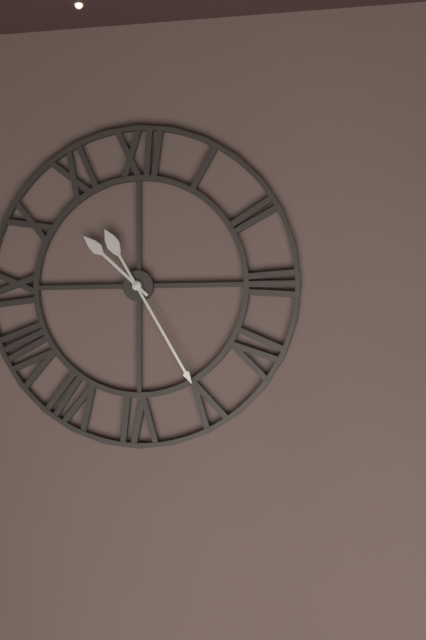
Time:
10:25
